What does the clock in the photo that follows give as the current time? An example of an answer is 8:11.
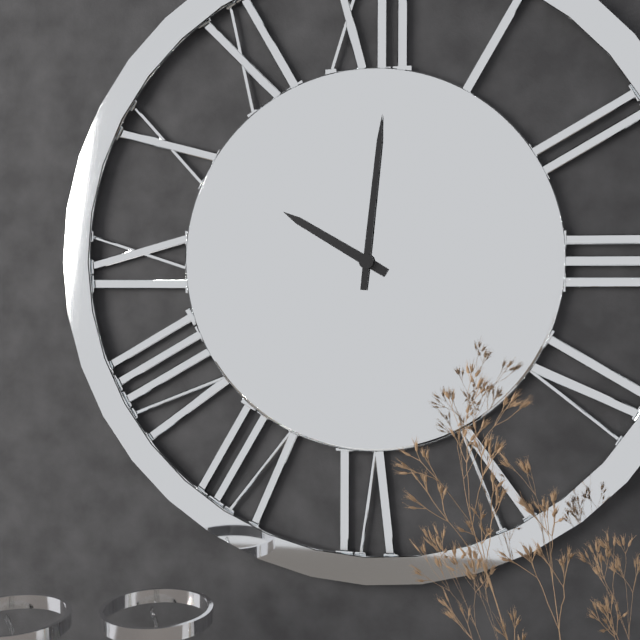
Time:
10:01
